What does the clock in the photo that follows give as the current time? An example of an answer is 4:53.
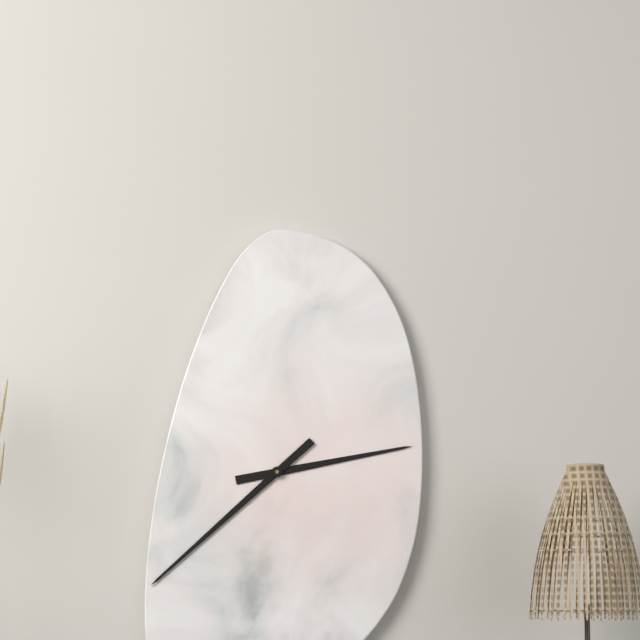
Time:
2:38
